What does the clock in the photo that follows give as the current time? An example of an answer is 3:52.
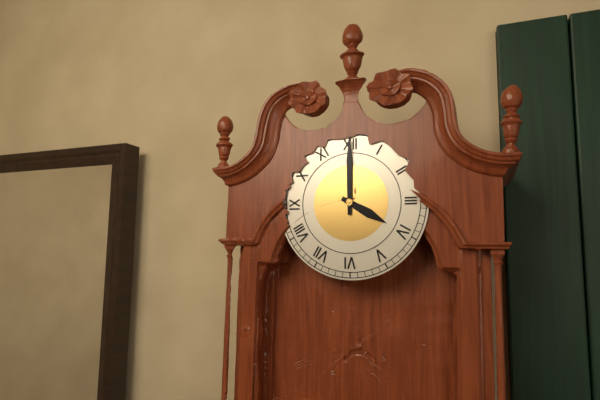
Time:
4:00
